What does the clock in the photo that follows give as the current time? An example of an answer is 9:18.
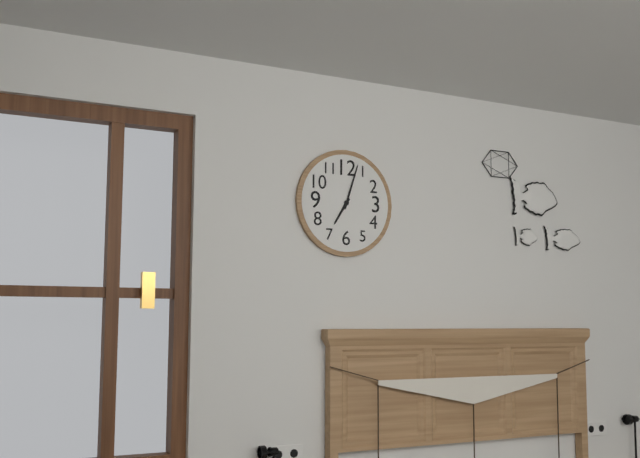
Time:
7:03
